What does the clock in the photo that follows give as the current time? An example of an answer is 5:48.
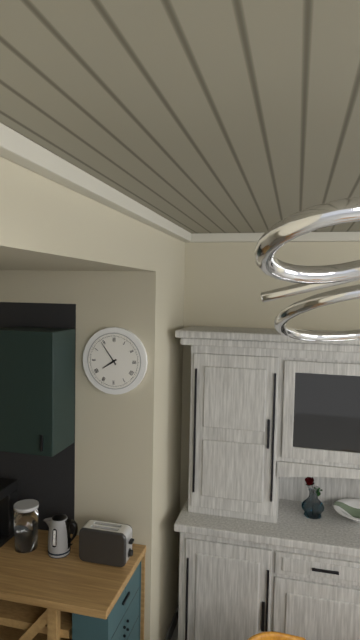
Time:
7:54
